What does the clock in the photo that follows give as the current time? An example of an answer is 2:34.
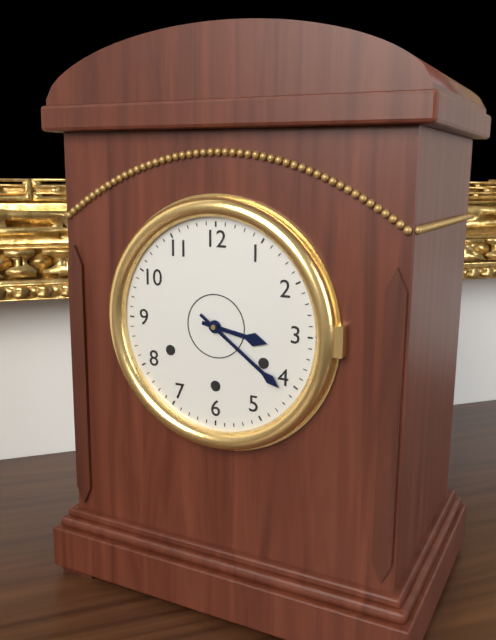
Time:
3:21
